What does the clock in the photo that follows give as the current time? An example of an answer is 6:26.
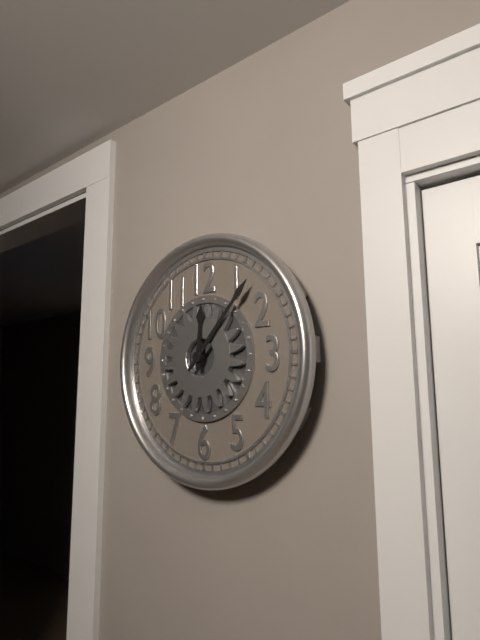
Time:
12:07
